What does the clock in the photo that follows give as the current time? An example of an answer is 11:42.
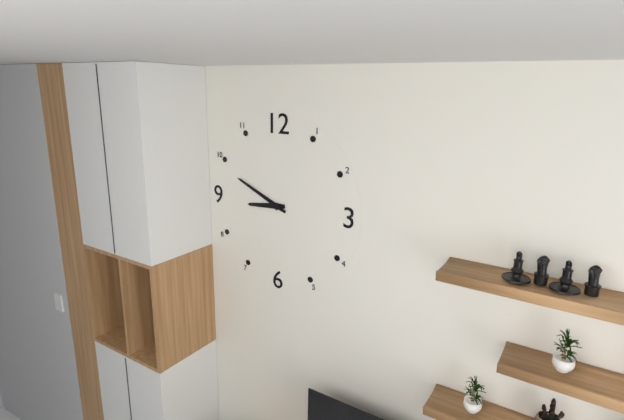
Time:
8:49
